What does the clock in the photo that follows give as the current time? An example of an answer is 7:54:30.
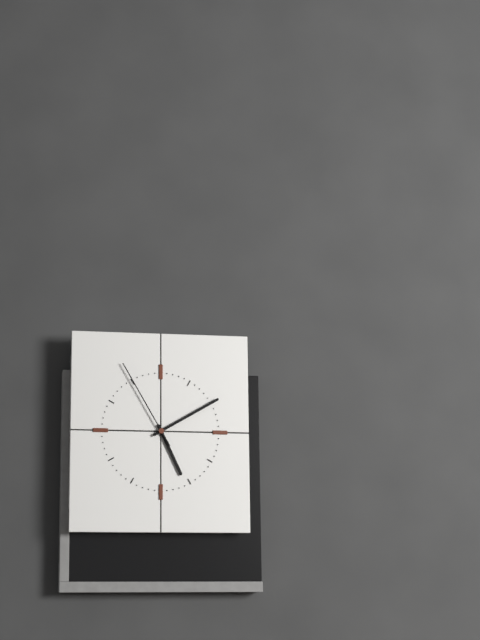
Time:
5:10:55
